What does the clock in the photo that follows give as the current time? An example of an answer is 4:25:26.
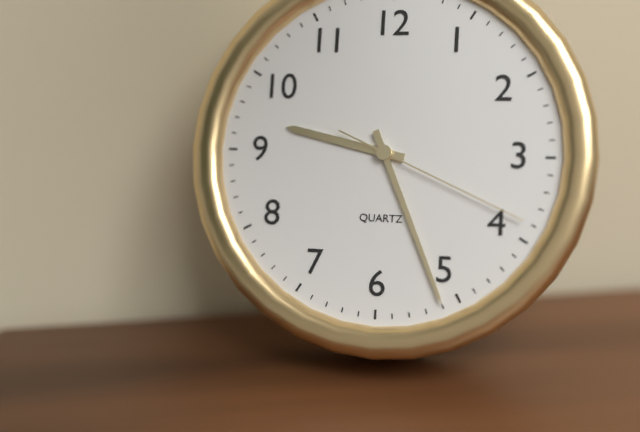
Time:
9:26:19
